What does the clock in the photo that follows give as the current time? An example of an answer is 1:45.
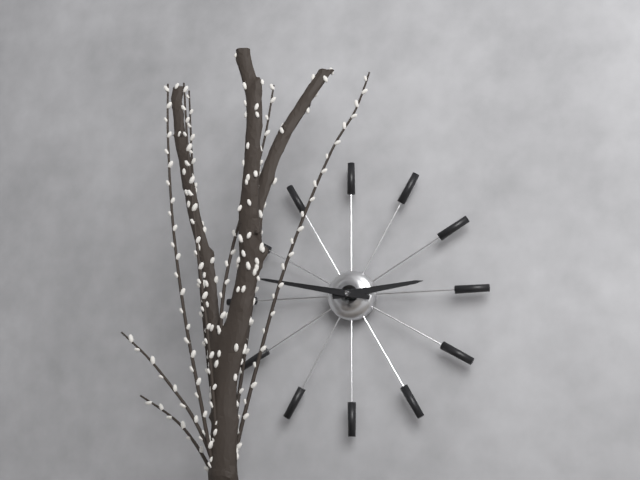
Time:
2:47
